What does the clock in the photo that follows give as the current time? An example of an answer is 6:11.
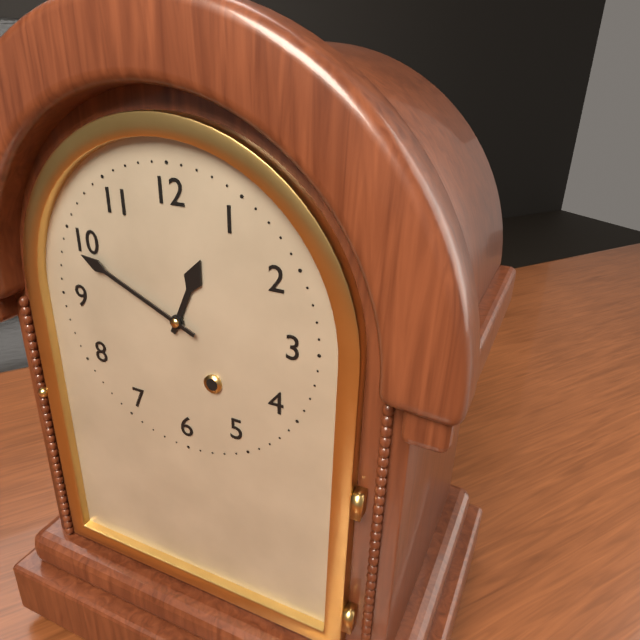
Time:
12:49
